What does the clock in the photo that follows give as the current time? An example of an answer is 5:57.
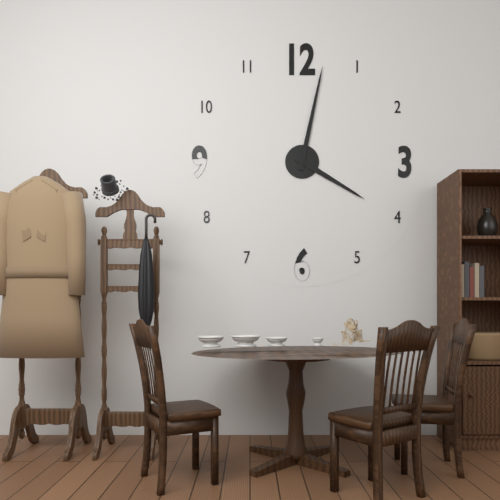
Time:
4:02
